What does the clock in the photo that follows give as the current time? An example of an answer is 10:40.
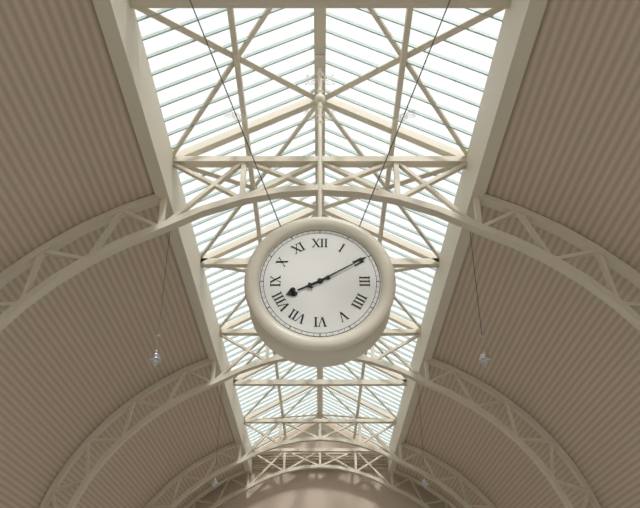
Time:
8:10
